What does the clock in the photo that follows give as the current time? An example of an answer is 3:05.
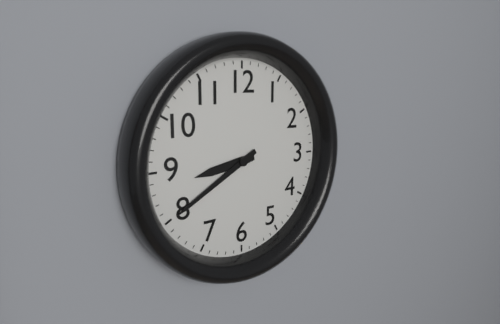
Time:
8:40
